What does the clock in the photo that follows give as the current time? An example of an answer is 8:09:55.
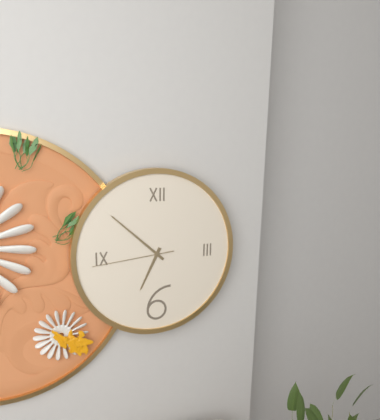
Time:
6:52:44
